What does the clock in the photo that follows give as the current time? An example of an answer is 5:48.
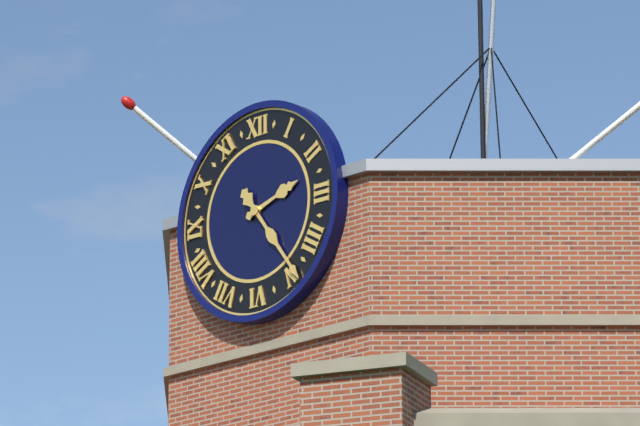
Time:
2:24
